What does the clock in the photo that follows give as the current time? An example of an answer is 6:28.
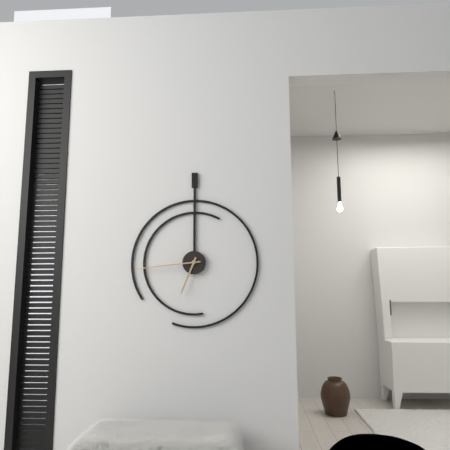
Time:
6:44
